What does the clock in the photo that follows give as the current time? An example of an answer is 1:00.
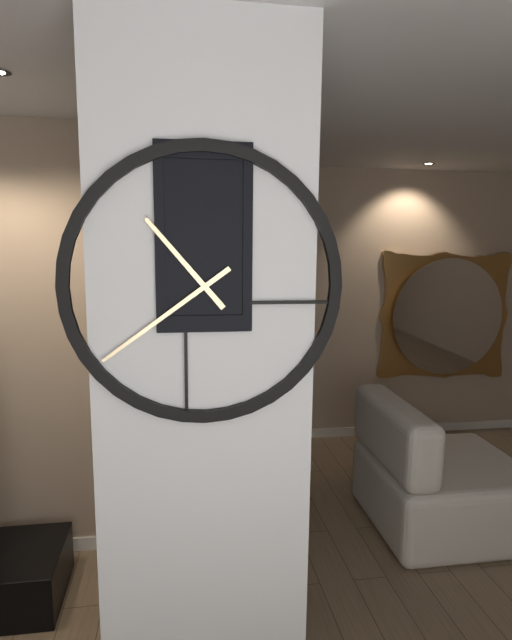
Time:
10:39
